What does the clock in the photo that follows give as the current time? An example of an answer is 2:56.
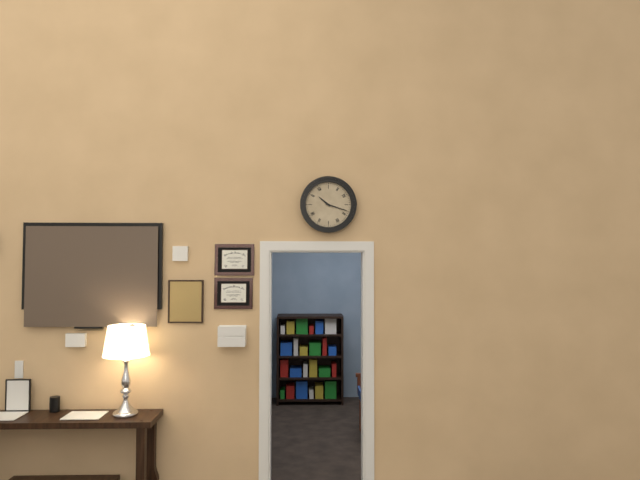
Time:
10:18
